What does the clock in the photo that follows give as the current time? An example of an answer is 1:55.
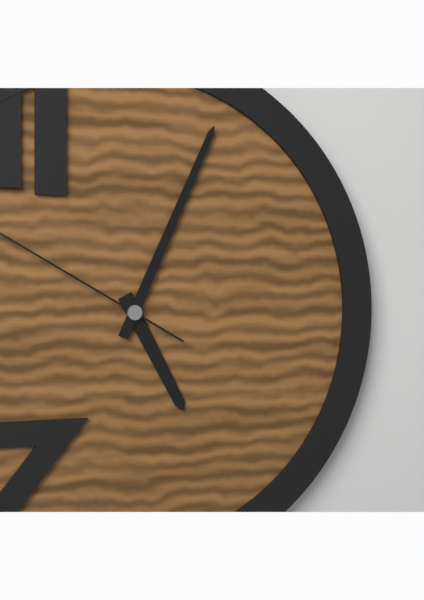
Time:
5:04
